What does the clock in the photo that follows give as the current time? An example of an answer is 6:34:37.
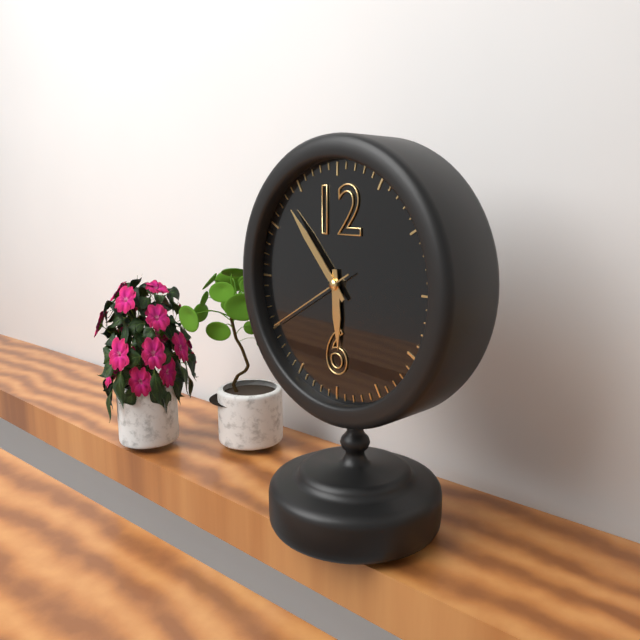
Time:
5:53:40
